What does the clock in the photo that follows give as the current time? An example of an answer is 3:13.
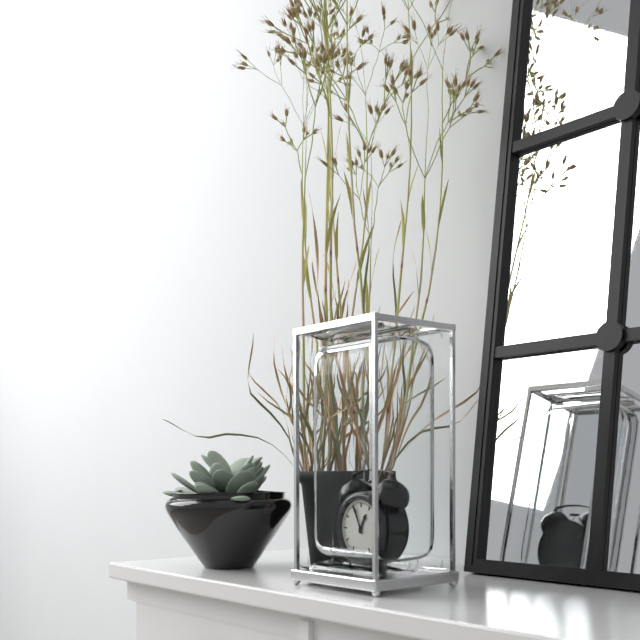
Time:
12:56
